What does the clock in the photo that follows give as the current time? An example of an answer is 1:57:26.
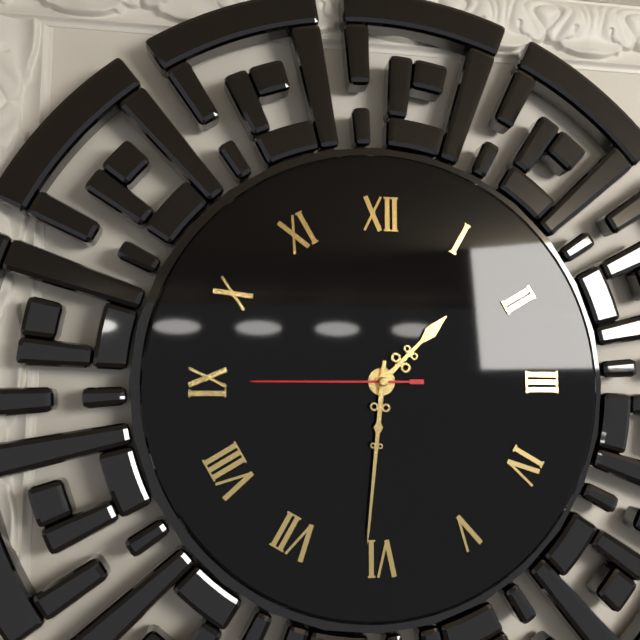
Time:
1:31:45
